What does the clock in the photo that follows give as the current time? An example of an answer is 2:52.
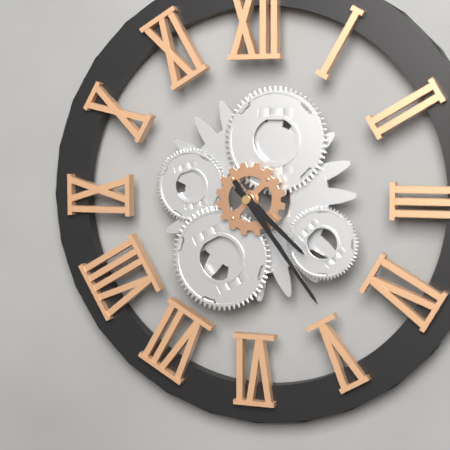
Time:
4:24
